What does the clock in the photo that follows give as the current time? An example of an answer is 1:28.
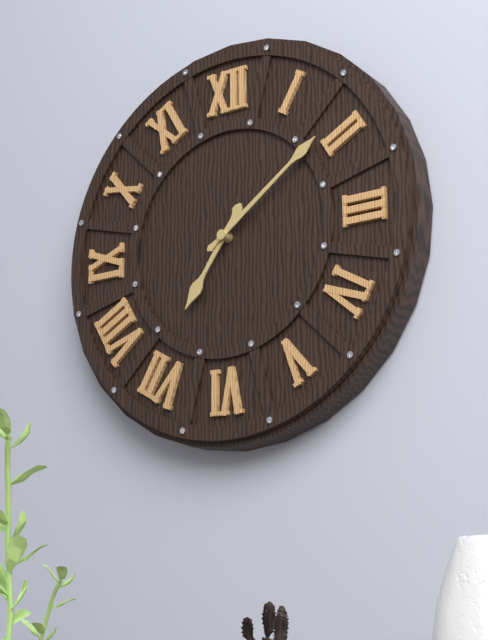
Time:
7:09
